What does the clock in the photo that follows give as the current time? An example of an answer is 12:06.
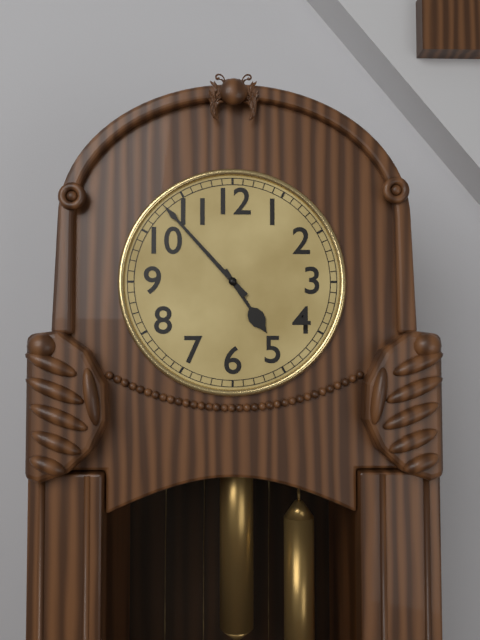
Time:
4:53
